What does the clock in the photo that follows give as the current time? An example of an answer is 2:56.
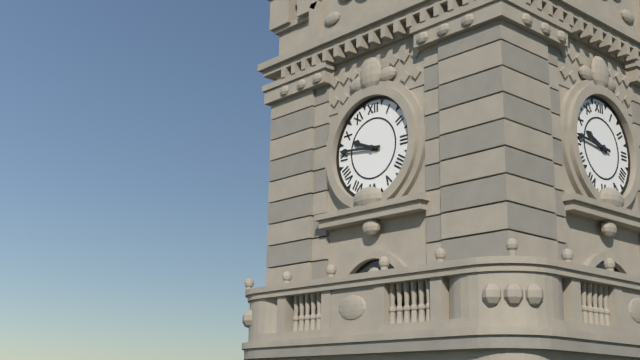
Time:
9:46
